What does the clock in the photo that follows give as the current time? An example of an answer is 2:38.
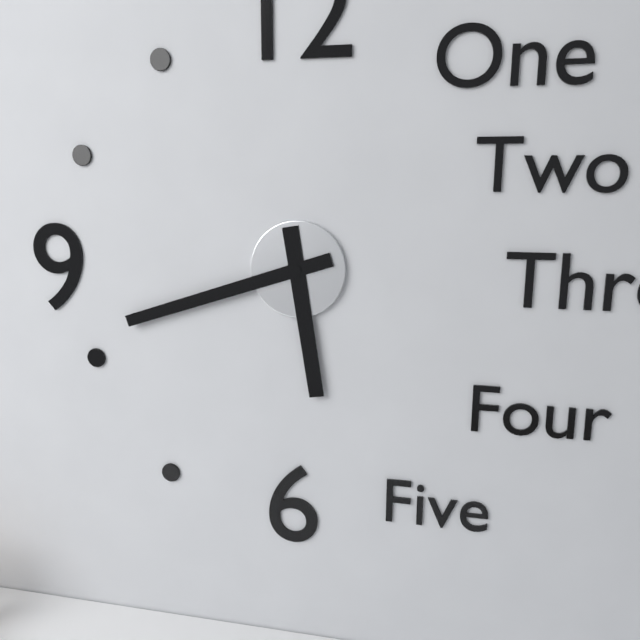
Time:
5:42
